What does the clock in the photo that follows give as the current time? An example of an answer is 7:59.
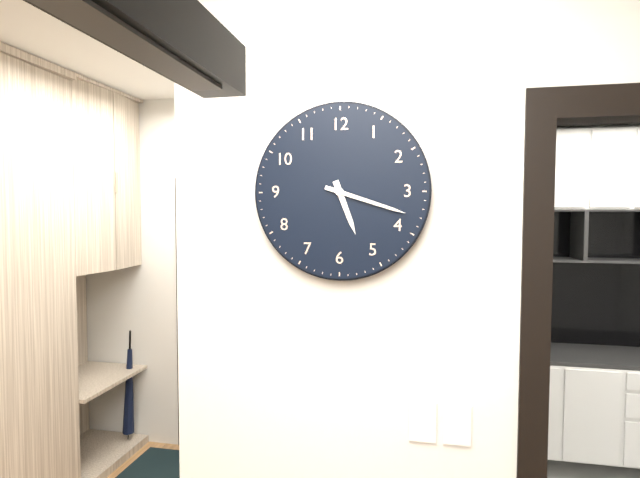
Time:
5:18
